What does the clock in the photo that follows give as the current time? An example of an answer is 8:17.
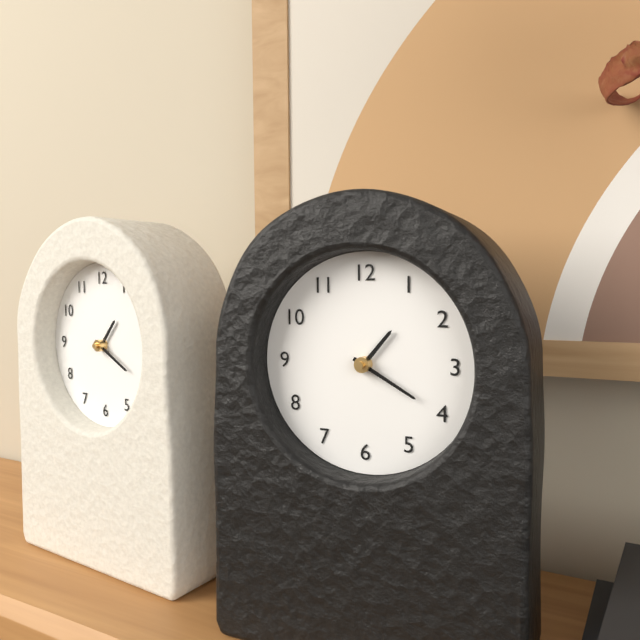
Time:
1:20
